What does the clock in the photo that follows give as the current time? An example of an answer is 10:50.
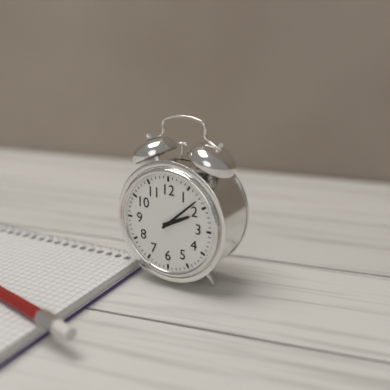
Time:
2:08
